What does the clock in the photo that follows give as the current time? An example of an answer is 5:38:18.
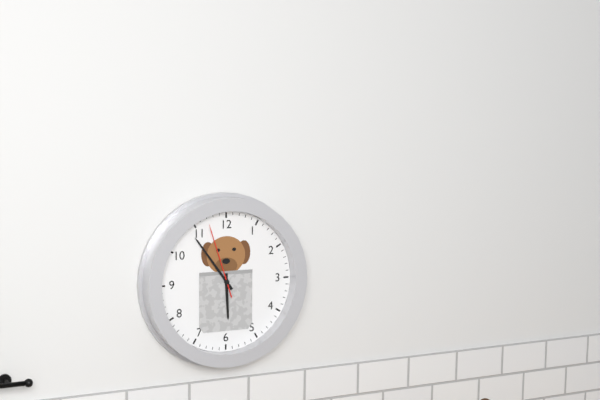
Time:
5:54:57
